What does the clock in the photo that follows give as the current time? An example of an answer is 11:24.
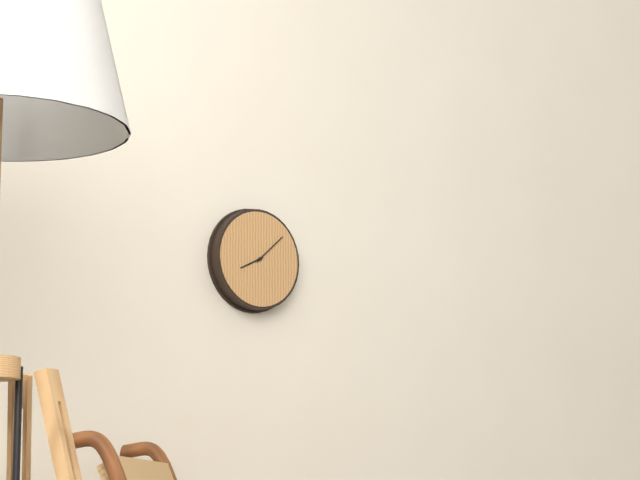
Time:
8:08
